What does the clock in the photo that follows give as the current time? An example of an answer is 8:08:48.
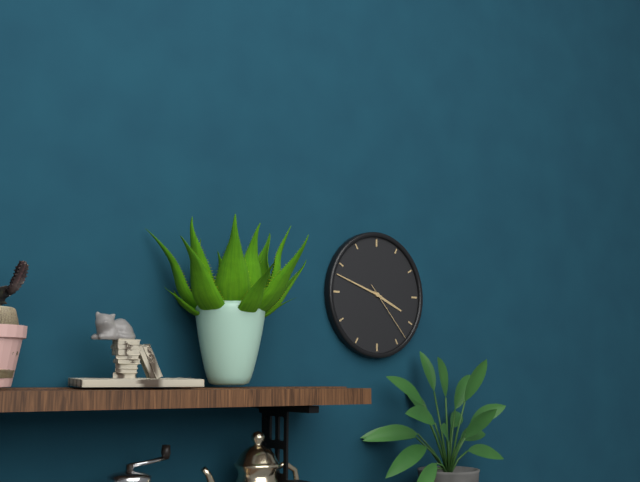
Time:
3:48:23
